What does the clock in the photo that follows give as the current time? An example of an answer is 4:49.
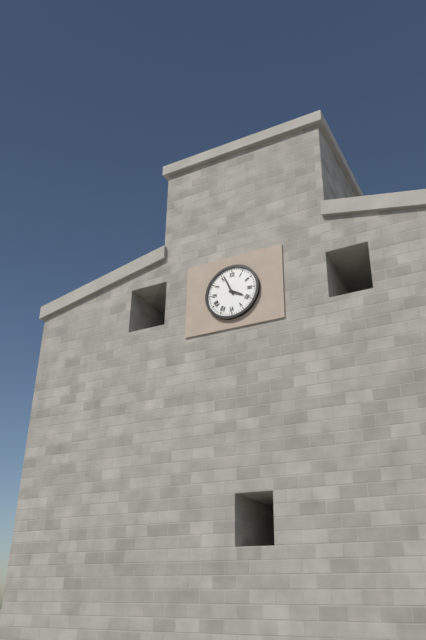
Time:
3:56
